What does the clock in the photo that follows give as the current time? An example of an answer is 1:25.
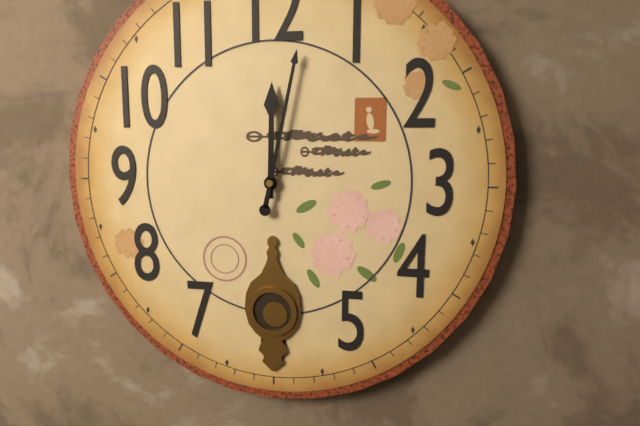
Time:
12:02
